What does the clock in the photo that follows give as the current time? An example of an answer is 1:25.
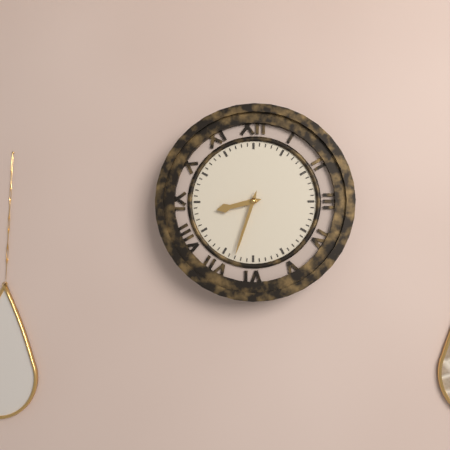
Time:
8:33
